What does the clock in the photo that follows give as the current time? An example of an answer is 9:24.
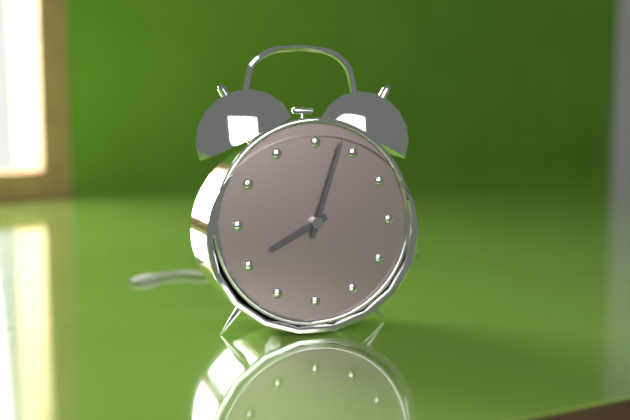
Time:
8:03
